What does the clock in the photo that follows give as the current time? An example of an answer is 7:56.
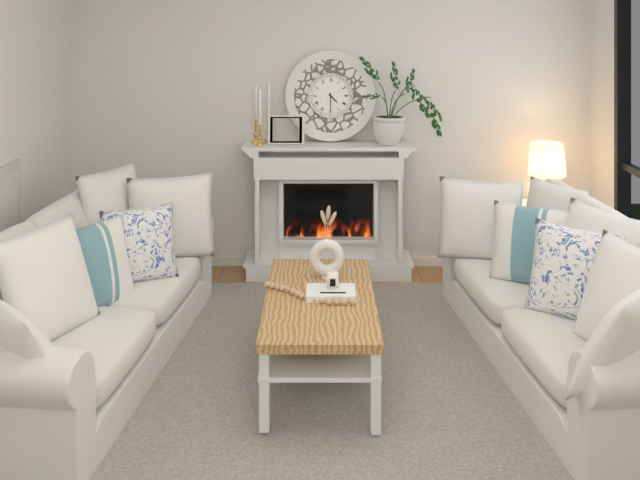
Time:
4:30
